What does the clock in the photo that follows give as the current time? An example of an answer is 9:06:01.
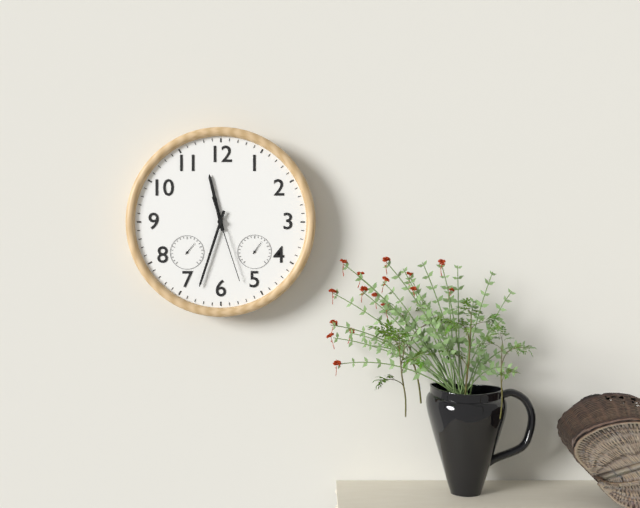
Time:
11:33:27
